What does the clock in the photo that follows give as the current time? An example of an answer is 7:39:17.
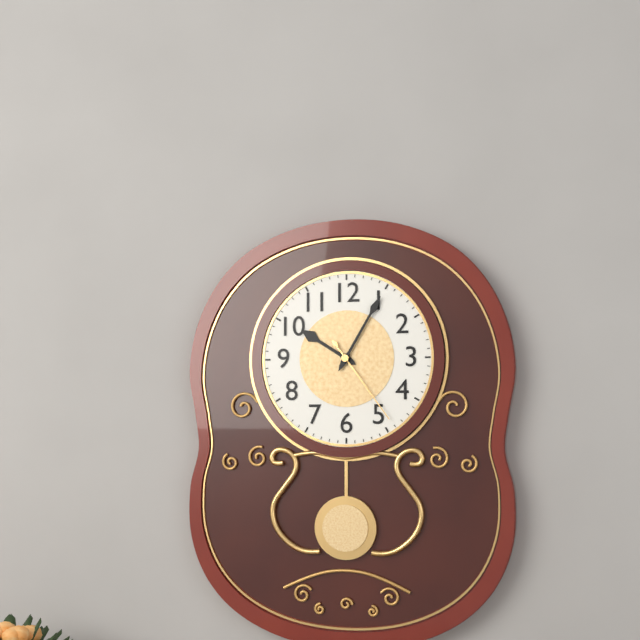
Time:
10:05:24
